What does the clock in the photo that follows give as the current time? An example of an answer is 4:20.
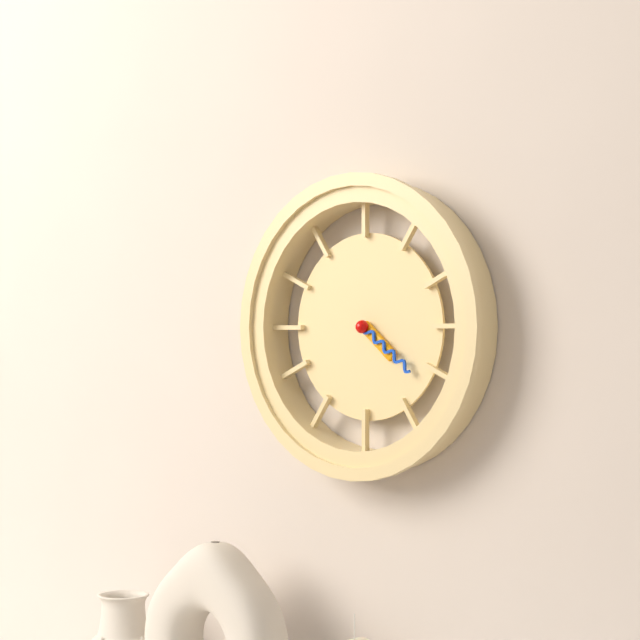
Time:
4:21
